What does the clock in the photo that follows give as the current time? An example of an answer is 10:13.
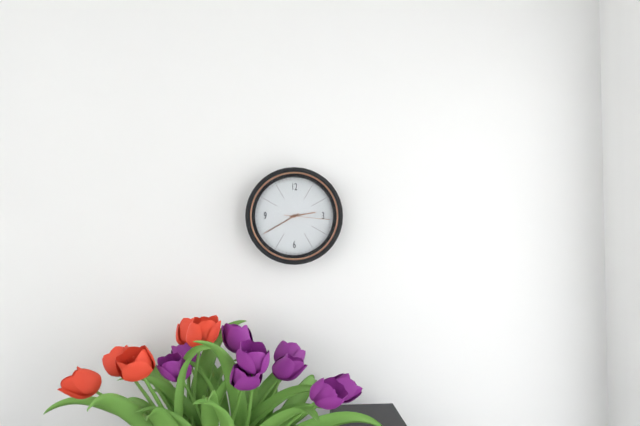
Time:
2:40
